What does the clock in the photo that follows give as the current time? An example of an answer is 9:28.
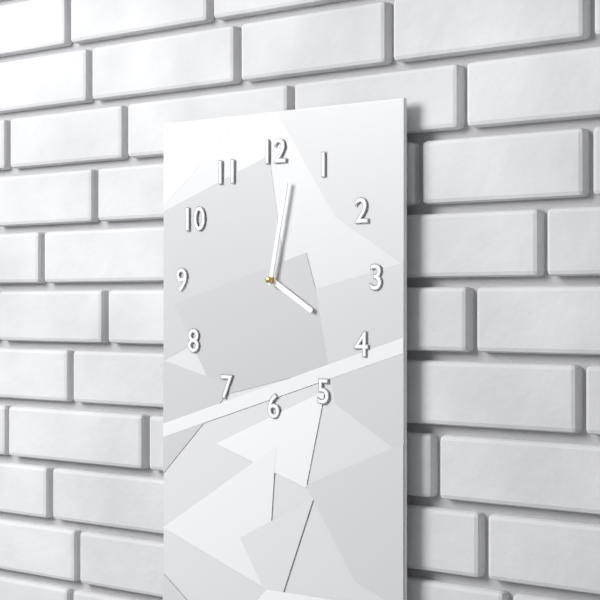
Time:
4:02
